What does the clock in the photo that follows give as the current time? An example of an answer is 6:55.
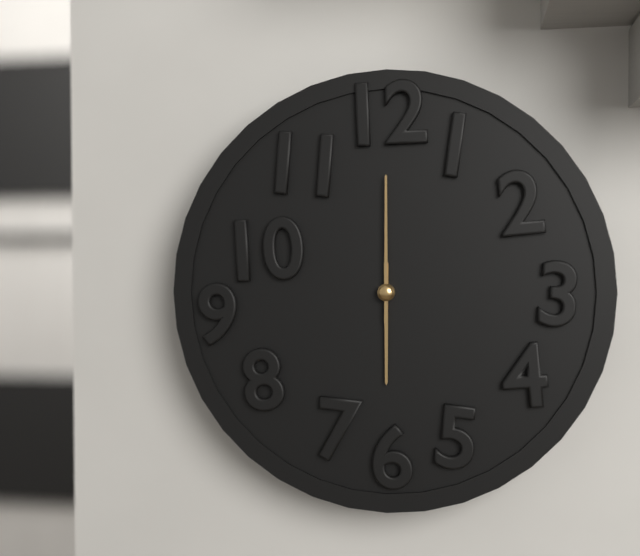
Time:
6:00
